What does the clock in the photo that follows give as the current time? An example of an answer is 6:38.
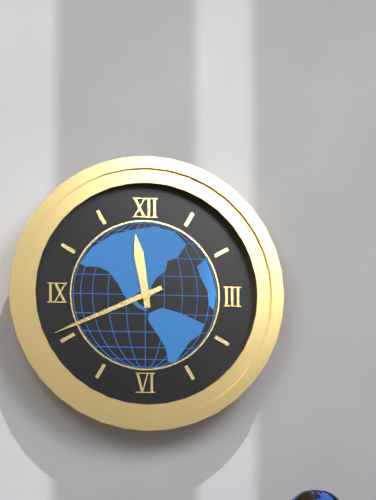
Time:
11:41
